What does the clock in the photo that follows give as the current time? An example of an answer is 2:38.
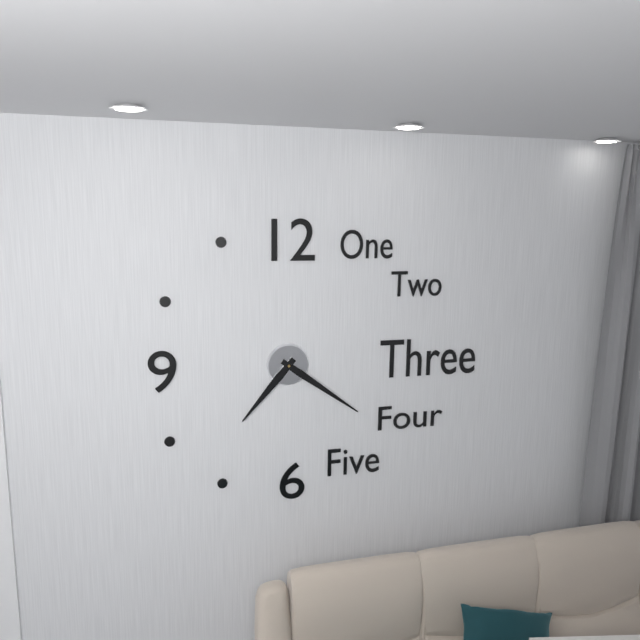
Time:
7:21
